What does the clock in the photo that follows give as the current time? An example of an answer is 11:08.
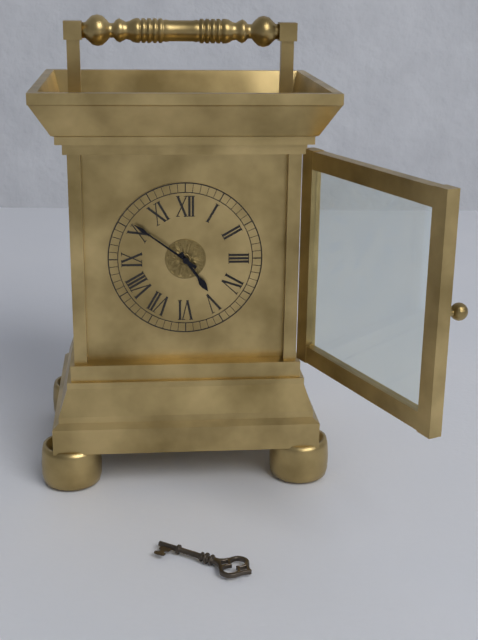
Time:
4:51
